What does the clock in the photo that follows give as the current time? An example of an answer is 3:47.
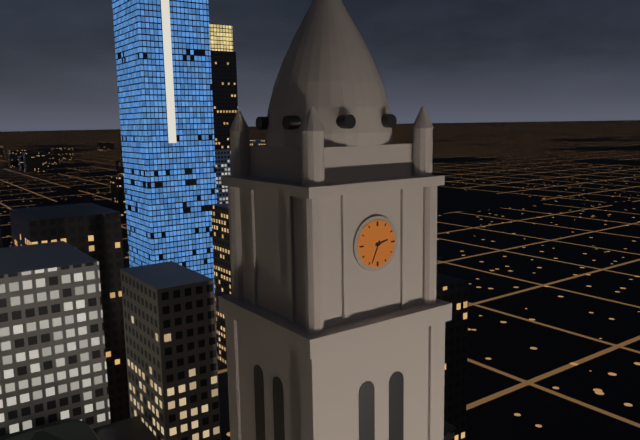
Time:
2:34
